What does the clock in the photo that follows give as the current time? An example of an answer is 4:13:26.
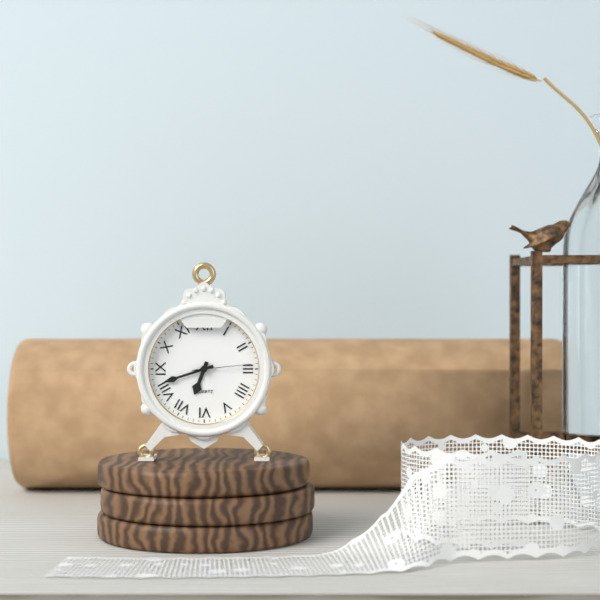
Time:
6:42:14
